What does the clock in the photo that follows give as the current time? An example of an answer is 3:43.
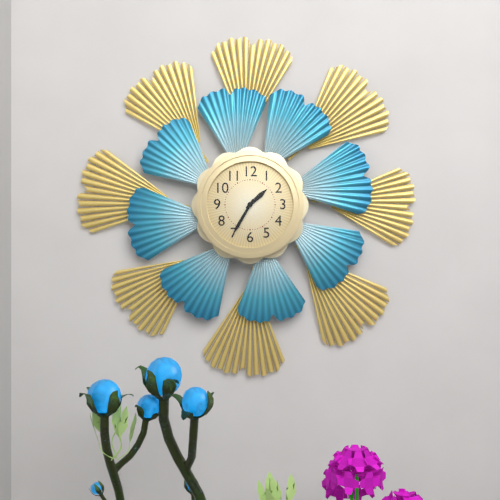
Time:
1:35
